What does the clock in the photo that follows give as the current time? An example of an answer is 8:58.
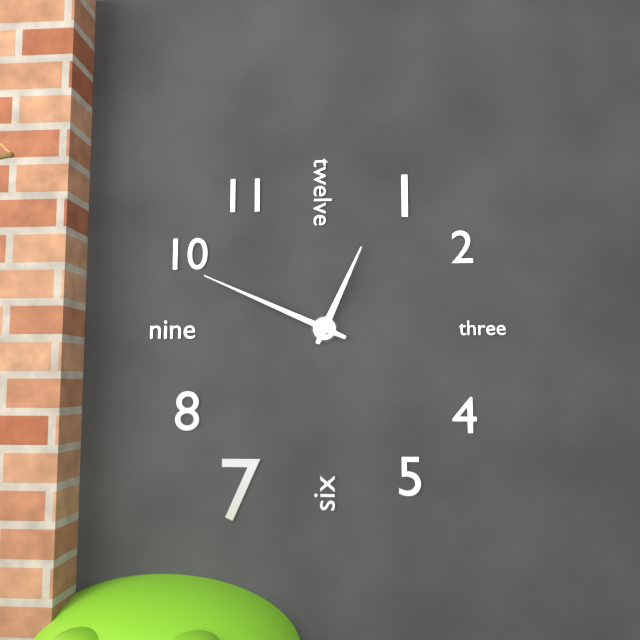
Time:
12:49
